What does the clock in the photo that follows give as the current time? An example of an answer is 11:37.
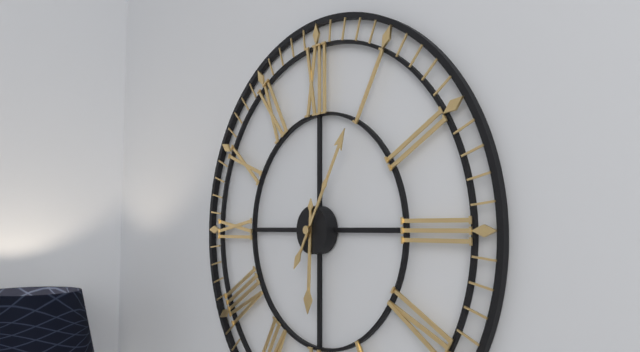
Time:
6:05
